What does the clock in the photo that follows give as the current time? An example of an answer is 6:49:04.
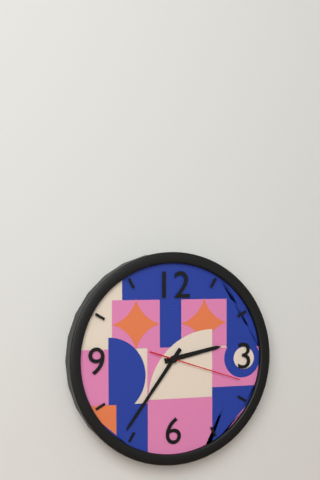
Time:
2:36:18
